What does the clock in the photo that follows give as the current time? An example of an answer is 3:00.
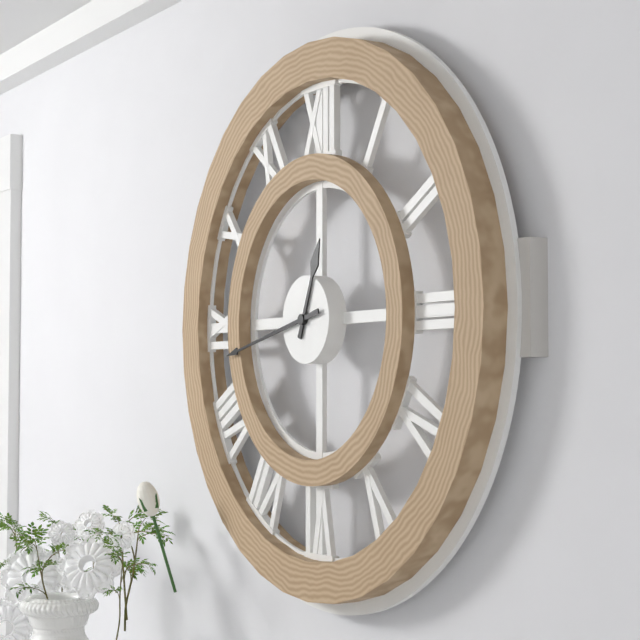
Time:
12:43
